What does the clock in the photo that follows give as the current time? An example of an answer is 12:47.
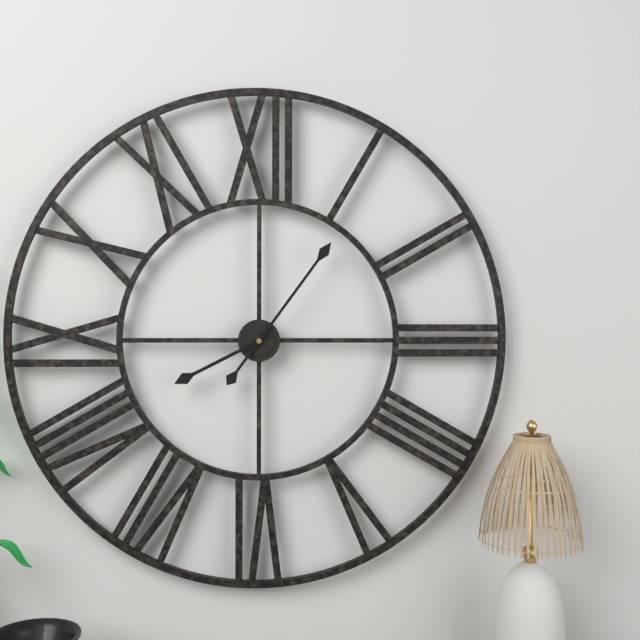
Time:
8:06
